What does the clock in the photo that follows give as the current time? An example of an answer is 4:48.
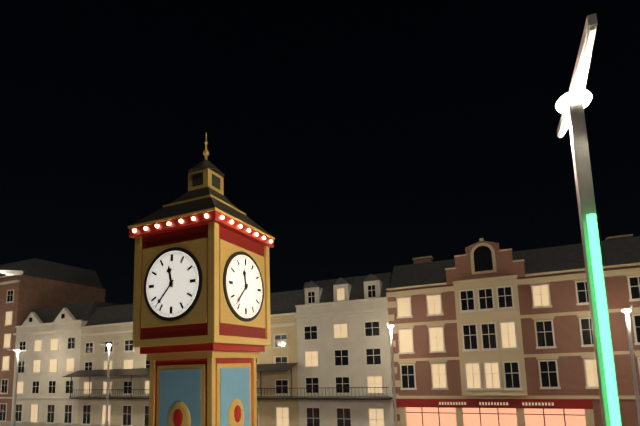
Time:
11:37
